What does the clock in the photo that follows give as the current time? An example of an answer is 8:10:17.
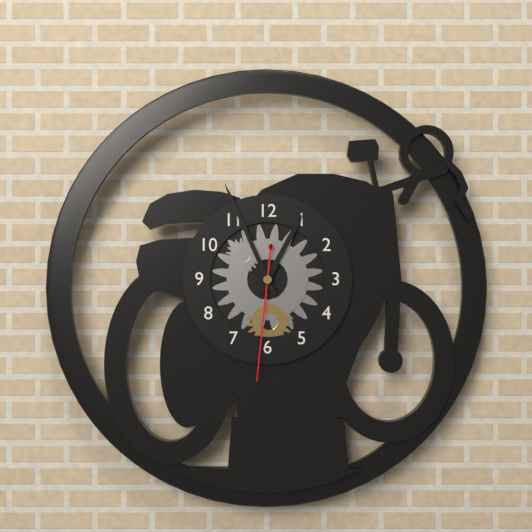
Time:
12:56:31
